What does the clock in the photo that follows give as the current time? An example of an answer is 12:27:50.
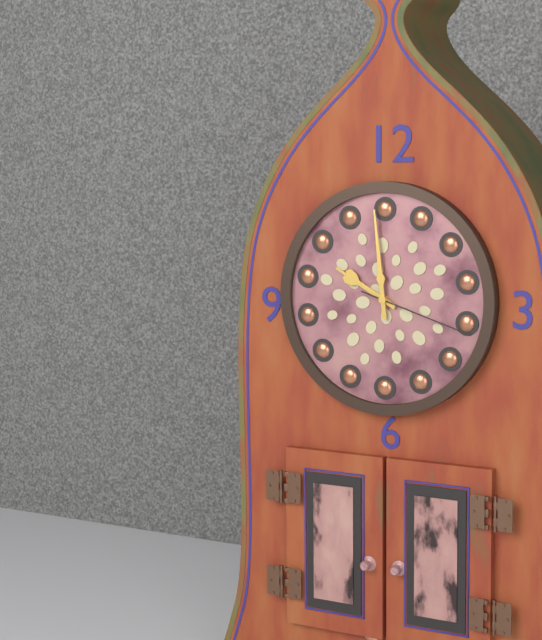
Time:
9:59:18
